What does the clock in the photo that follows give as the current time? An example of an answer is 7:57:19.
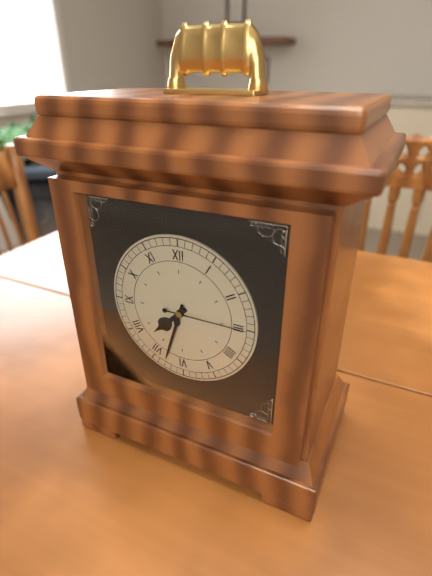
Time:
7:33:15
